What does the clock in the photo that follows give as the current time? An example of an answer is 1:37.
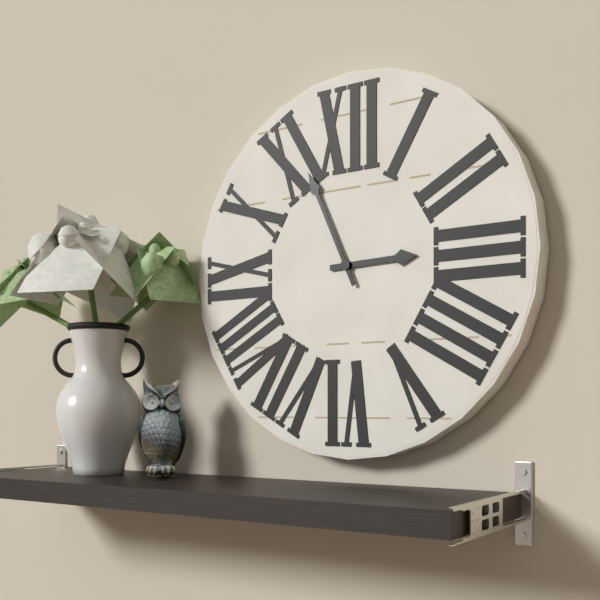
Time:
2:56
